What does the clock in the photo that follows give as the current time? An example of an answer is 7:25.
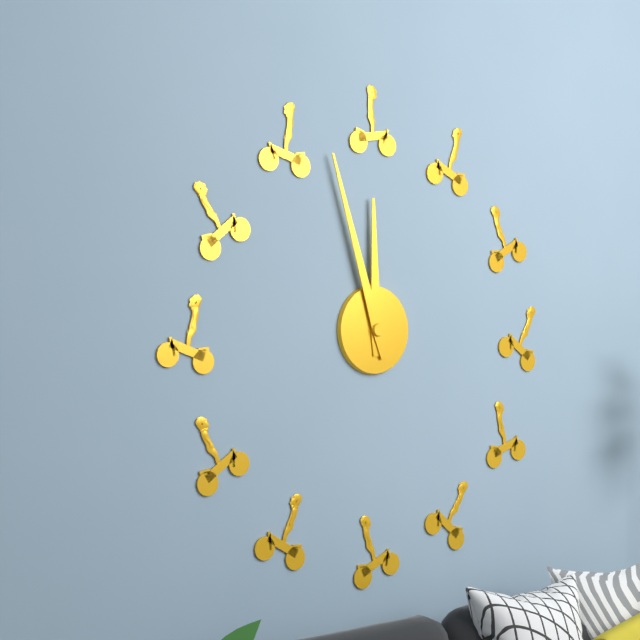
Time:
11:57
